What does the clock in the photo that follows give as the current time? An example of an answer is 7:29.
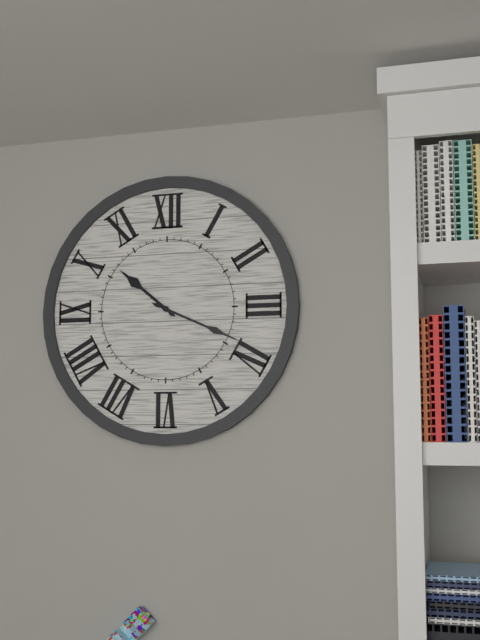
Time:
10:19
